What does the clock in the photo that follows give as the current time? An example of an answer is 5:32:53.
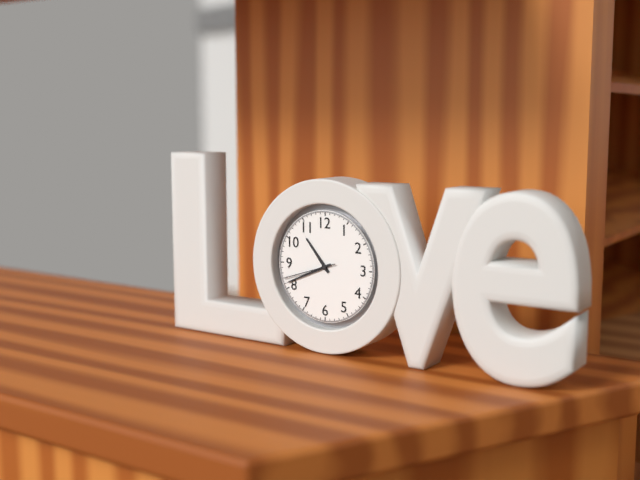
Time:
10:41:42
